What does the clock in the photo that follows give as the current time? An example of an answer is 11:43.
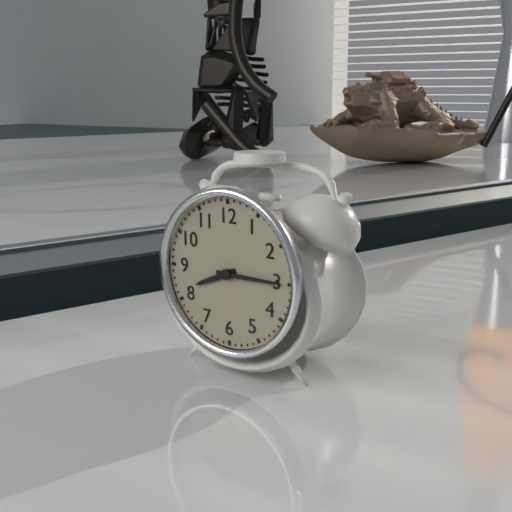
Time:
8:15
